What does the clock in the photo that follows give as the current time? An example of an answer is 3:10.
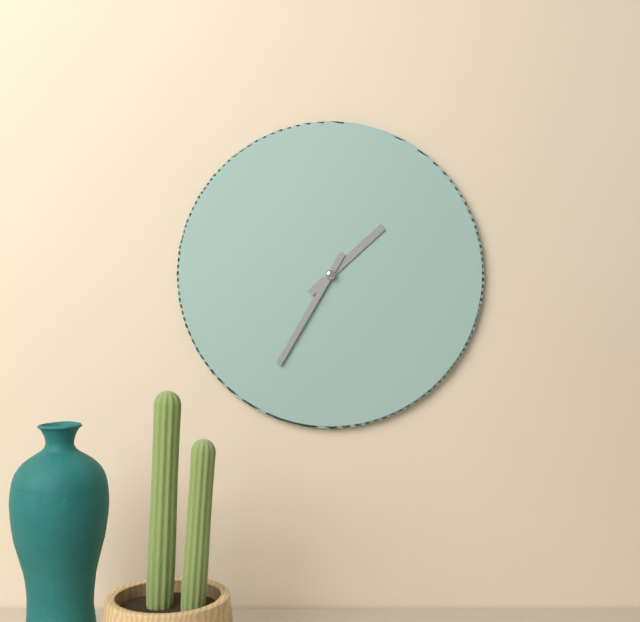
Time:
1:35
